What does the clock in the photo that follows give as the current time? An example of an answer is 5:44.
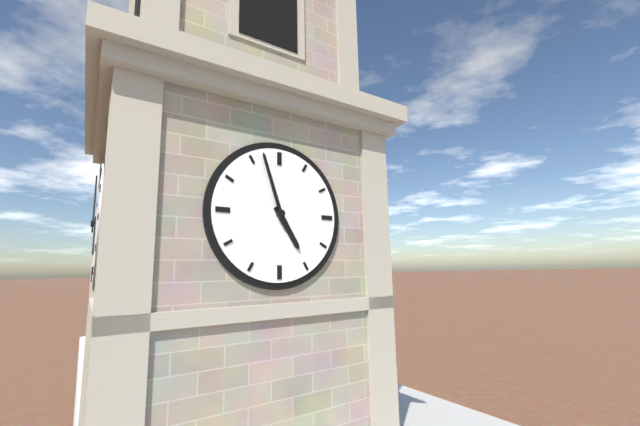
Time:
4:57
